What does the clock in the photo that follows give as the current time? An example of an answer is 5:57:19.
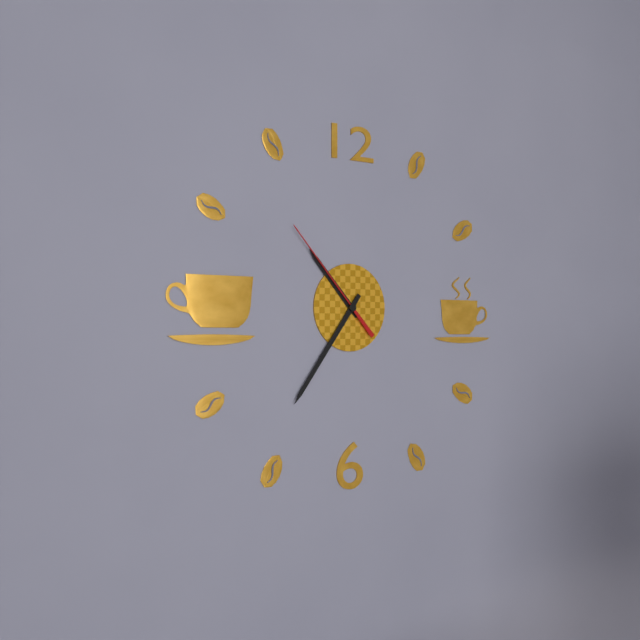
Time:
10:36:53
